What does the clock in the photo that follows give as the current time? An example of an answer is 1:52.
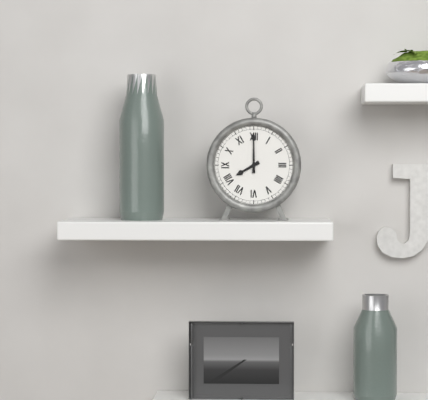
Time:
8:00
